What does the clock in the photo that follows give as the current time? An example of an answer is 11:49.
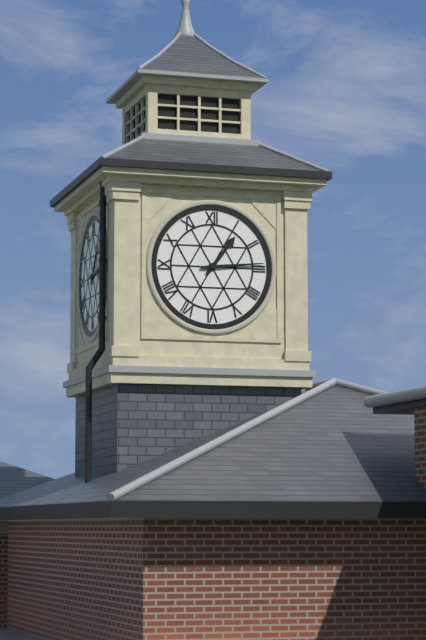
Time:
1:14
